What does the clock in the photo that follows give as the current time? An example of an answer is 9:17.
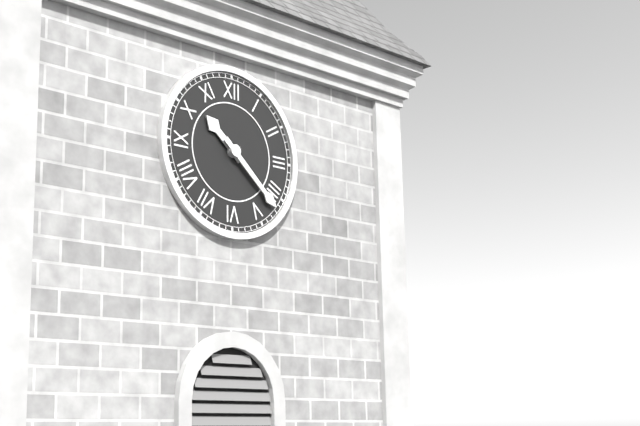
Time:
10:22
